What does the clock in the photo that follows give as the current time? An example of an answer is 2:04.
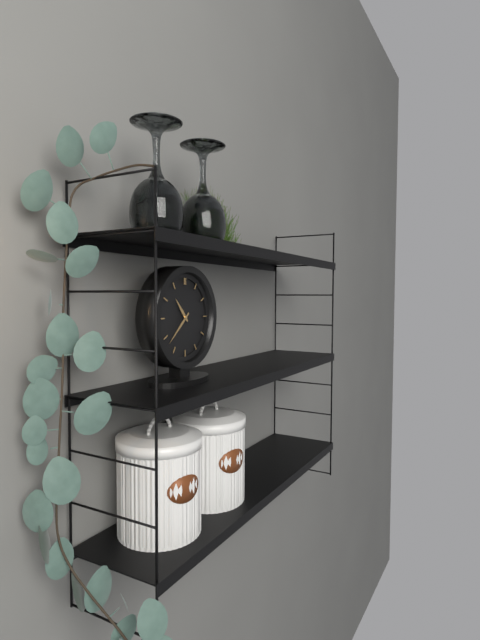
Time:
10:38
